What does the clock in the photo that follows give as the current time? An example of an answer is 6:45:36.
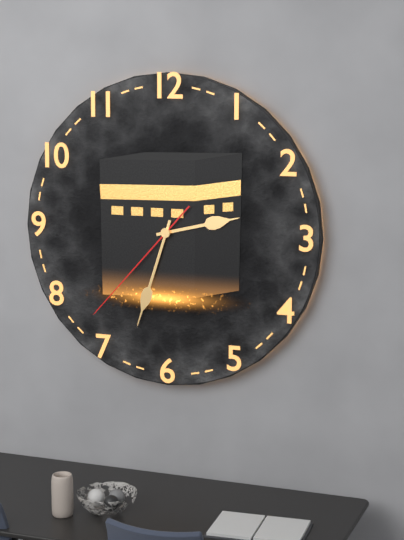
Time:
2:33:37
